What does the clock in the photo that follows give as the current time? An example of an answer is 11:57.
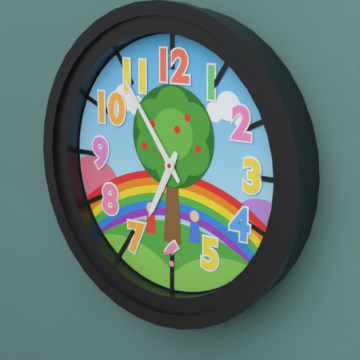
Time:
6:54
